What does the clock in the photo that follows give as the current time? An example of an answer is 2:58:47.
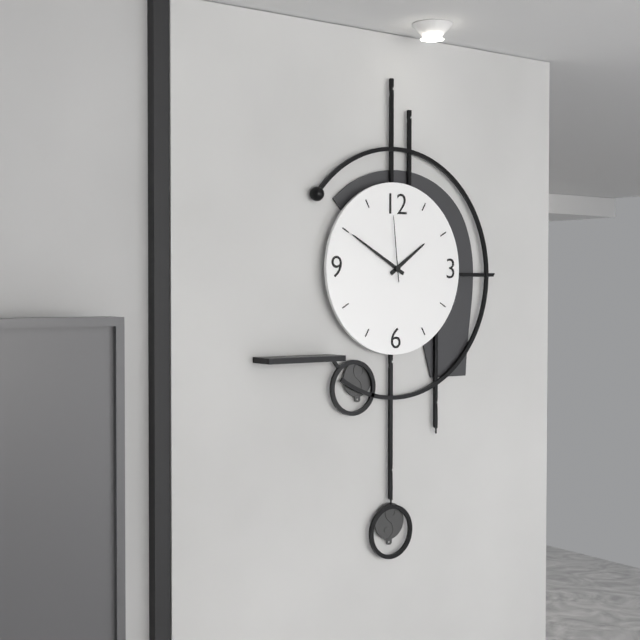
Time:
1:50:59
